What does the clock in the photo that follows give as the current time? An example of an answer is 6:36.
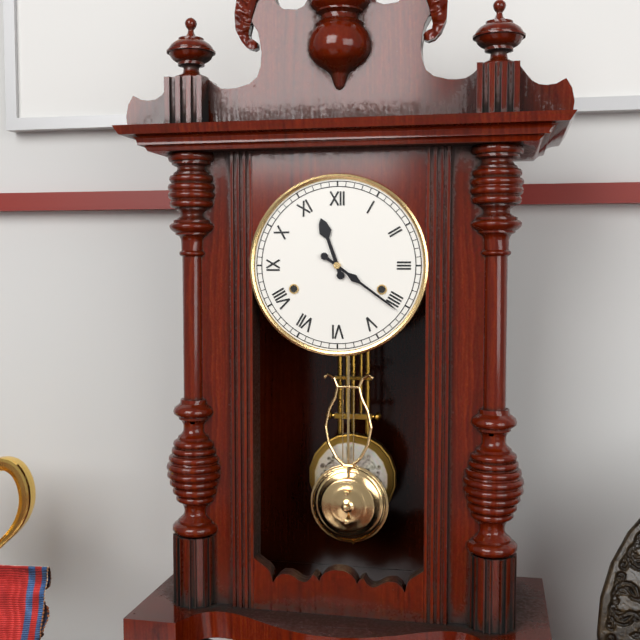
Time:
11:21
